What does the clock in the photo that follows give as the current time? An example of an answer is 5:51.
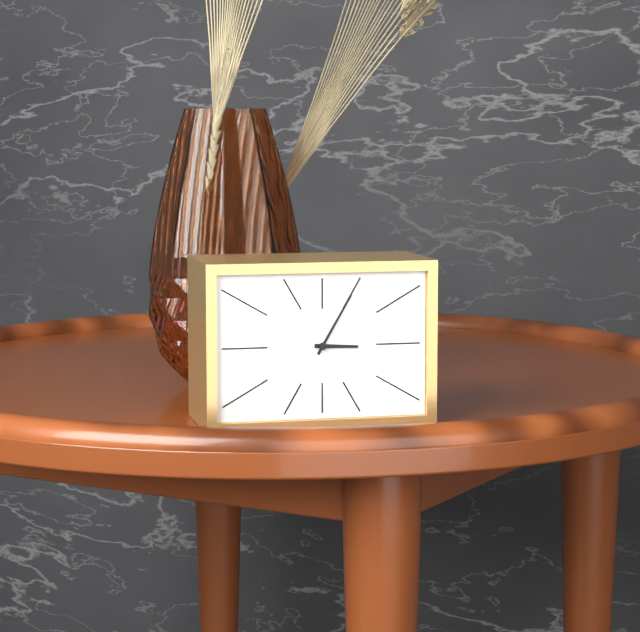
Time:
3:05
